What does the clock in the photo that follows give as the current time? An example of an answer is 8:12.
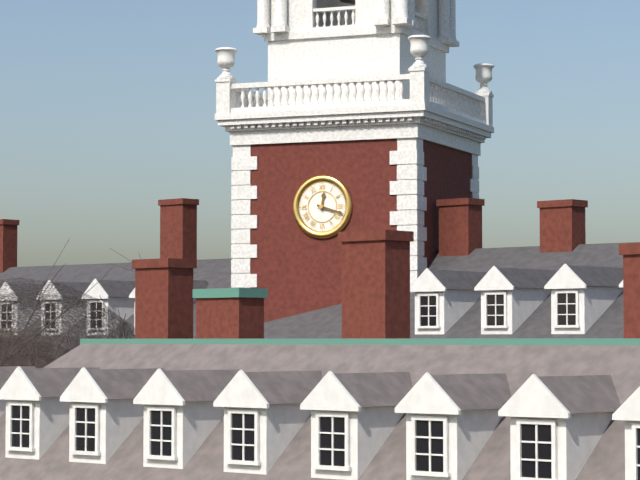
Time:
12:18
